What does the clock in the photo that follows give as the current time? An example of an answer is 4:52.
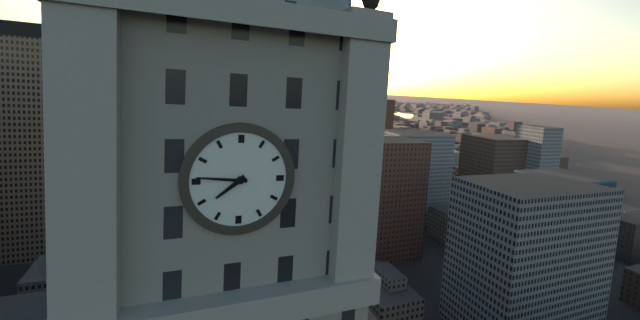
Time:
7:46
